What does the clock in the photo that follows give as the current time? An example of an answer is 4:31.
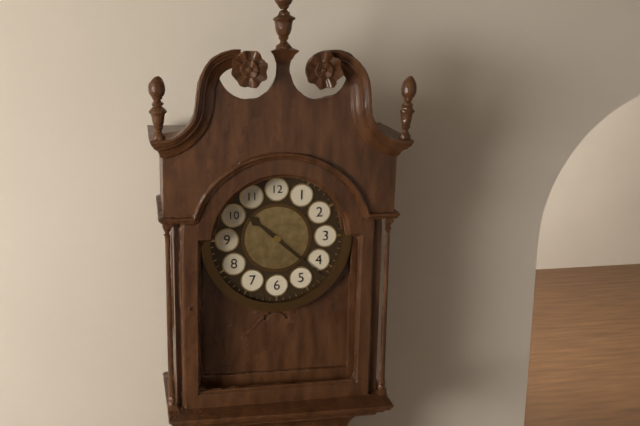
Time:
10:22
